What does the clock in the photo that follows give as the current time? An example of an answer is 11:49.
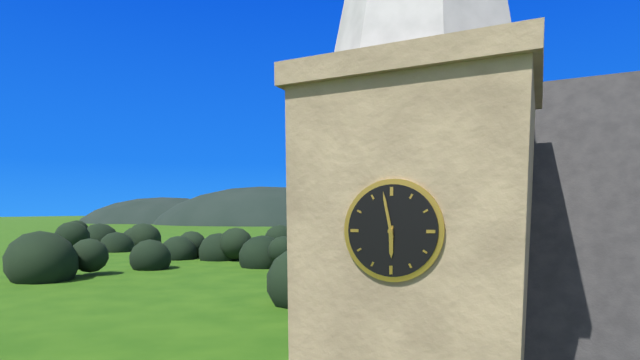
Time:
5:58
